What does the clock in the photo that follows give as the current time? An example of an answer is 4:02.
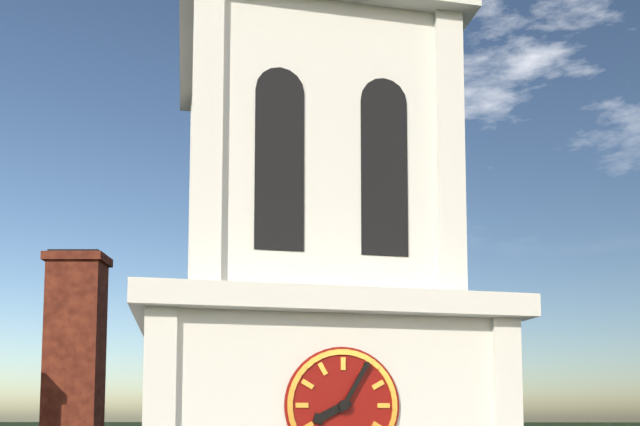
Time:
8:05
